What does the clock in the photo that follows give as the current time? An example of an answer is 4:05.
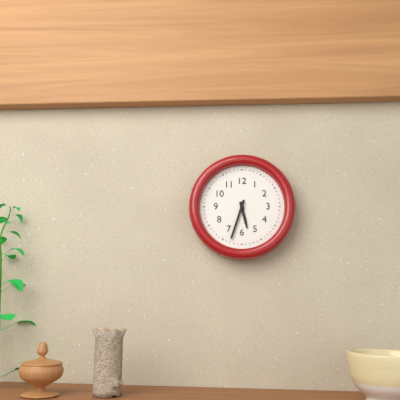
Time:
5:33
